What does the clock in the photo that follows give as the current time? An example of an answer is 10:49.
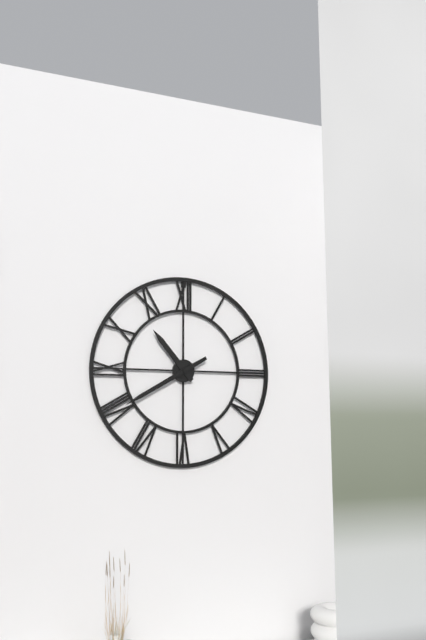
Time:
10:40
